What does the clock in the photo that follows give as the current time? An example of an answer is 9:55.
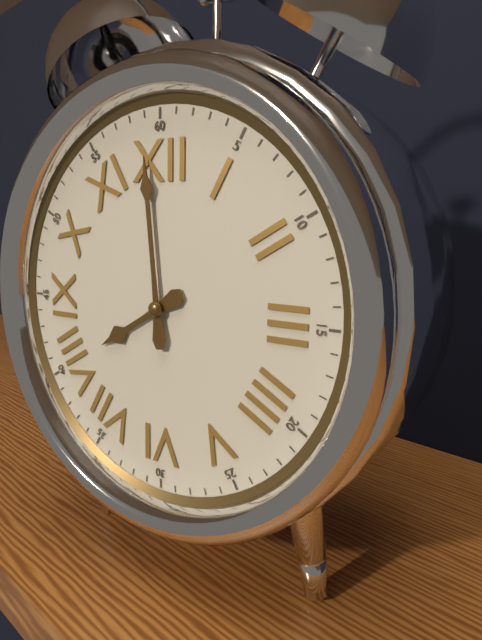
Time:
7:59
